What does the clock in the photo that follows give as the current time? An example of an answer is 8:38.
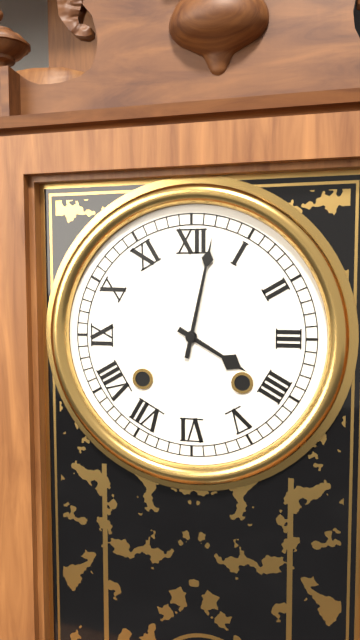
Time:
4:02
